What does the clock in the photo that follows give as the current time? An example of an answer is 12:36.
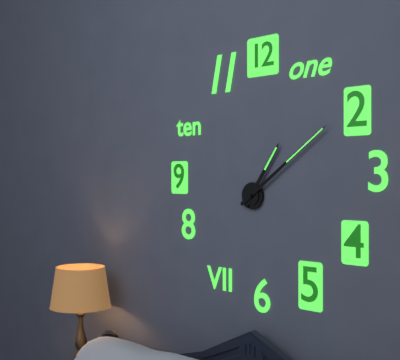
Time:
1:09
